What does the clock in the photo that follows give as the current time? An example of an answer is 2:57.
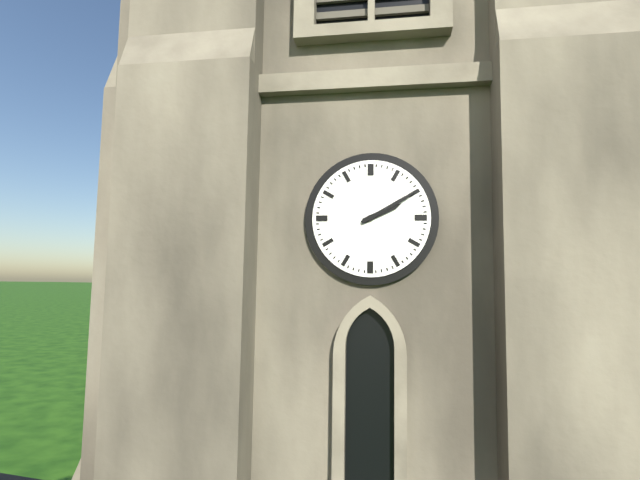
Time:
2:10
